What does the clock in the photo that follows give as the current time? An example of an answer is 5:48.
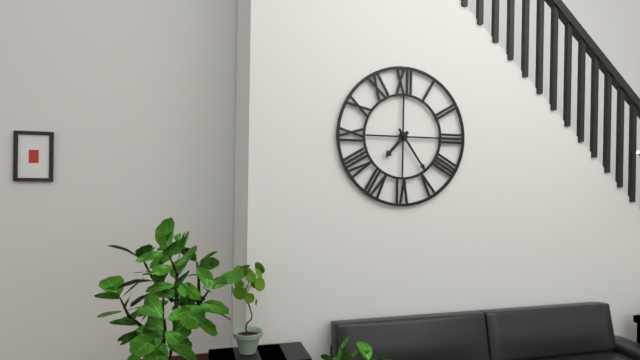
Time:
7:24
